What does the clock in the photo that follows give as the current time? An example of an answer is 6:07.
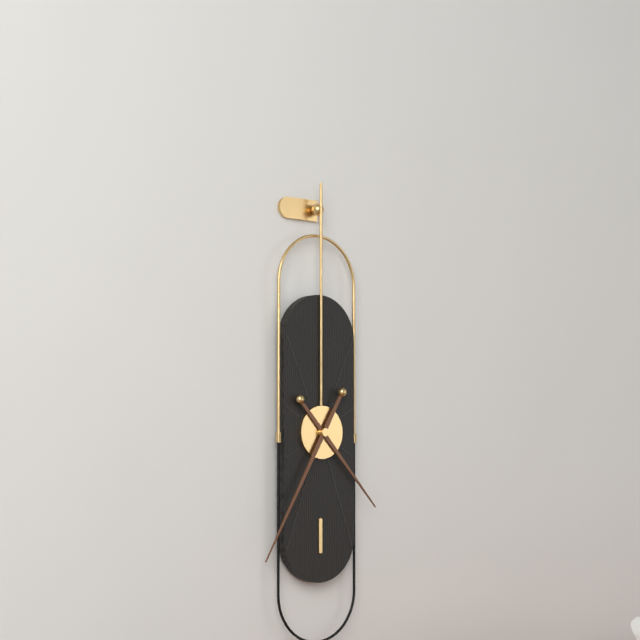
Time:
4:35
